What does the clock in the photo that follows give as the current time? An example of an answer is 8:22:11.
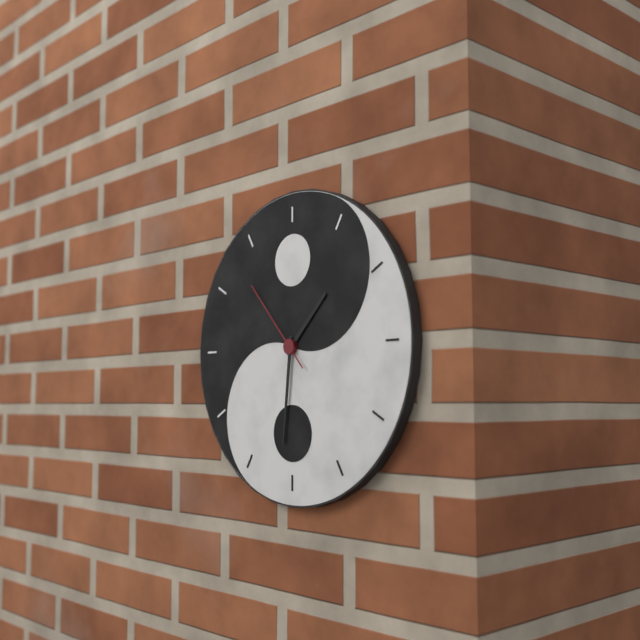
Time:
1:31:53
